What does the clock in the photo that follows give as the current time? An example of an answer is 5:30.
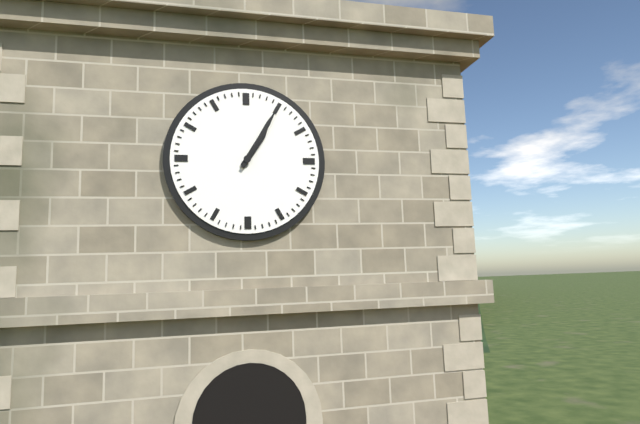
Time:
1:05
